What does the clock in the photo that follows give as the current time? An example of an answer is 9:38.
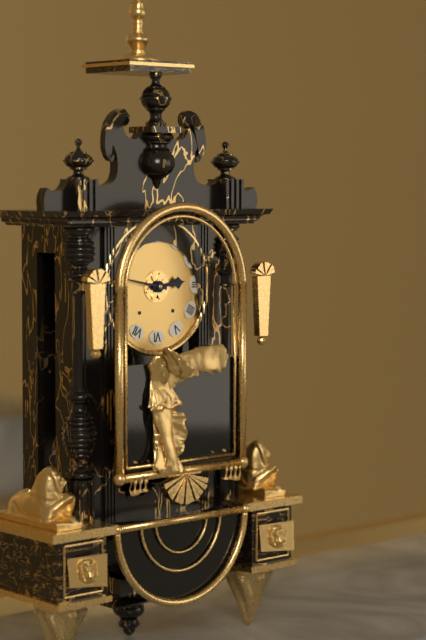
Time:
2:47
